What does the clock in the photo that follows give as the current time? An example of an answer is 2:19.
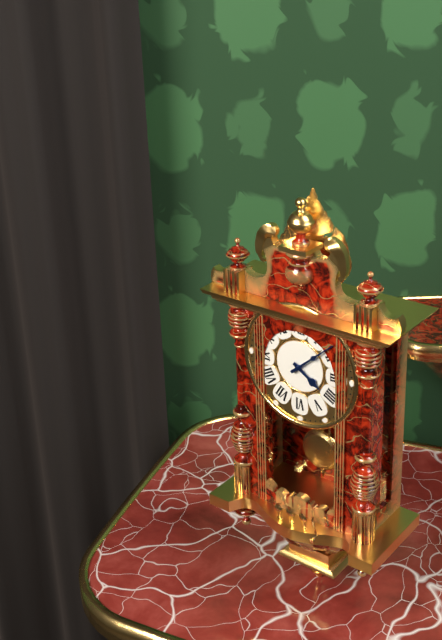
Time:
4:08
